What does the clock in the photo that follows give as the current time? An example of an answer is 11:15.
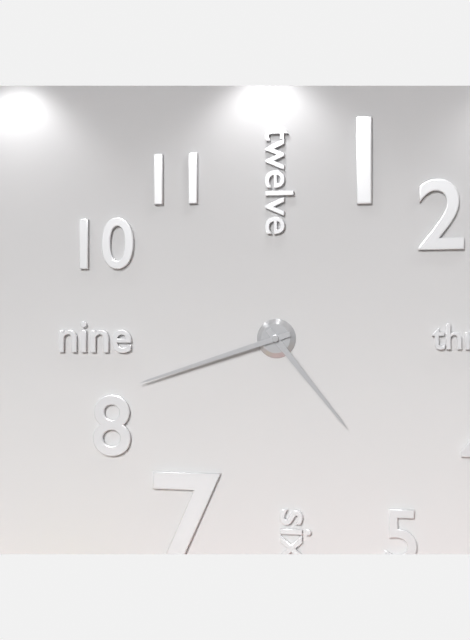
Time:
4:42
